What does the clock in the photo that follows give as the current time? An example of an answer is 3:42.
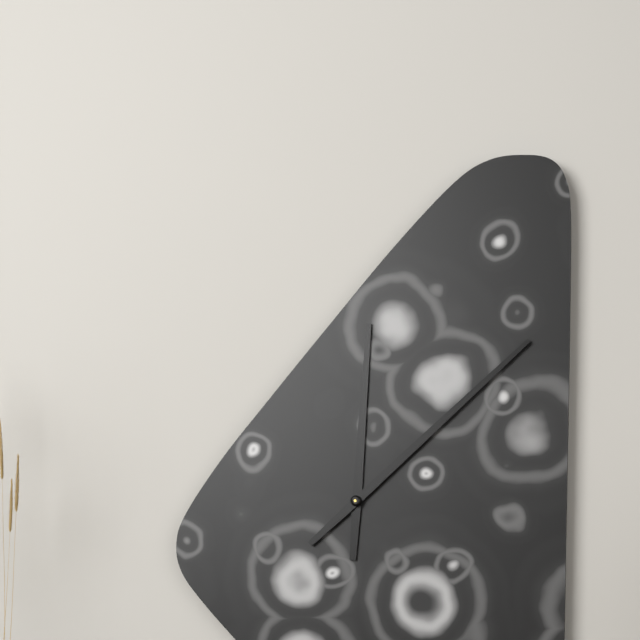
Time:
12:08
